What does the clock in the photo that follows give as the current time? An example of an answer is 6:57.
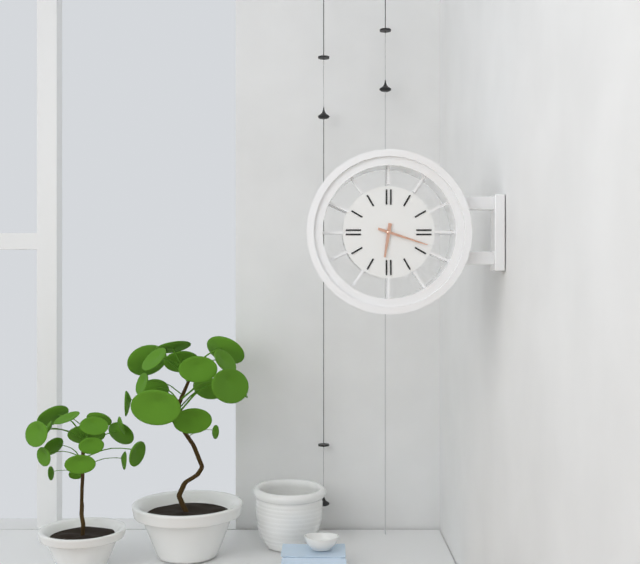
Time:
6:18
